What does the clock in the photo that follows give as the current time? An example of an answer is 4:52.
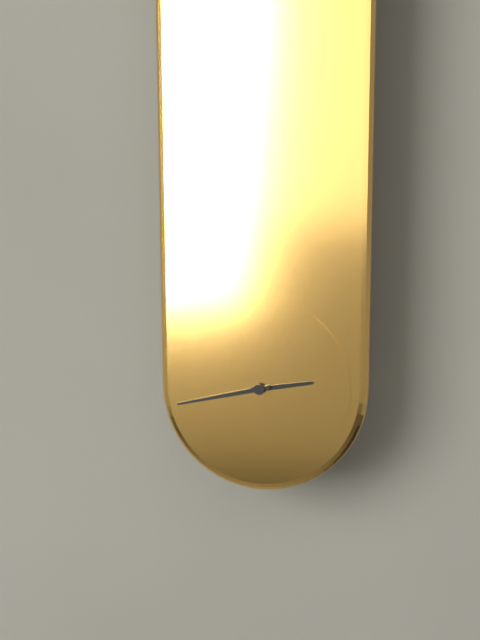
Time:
2:43
